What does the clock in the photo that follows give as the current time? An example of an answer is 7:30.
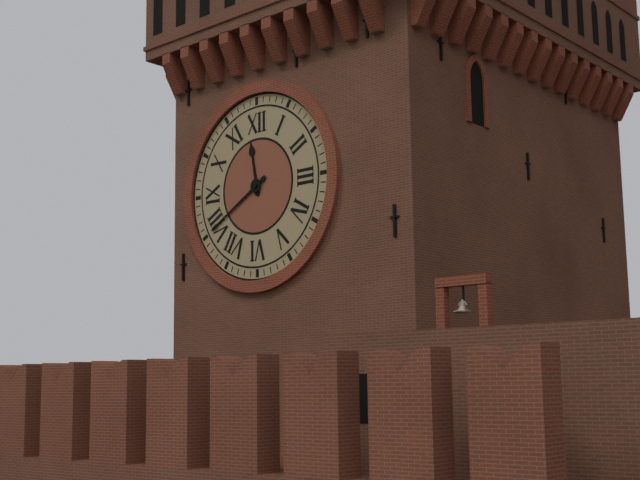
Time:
11:40
